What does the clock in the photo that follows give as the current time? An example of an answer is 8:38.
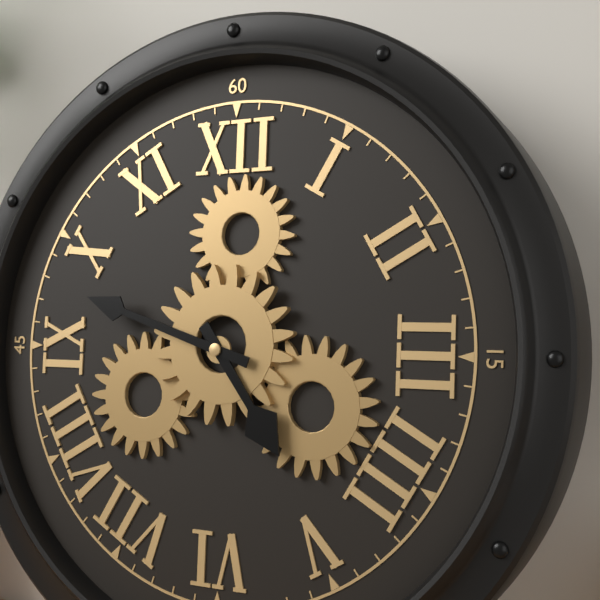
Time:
4:48
